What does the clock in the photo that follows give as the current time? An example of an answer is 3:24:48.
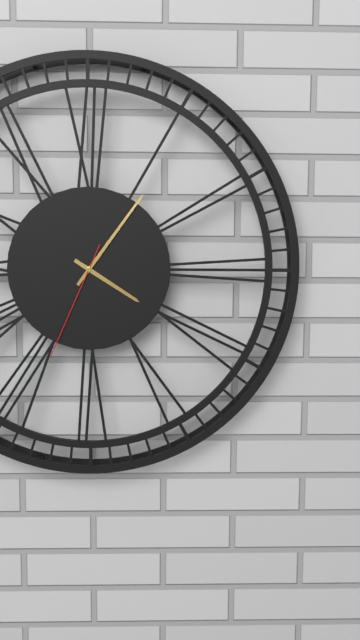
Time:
4:06:34
